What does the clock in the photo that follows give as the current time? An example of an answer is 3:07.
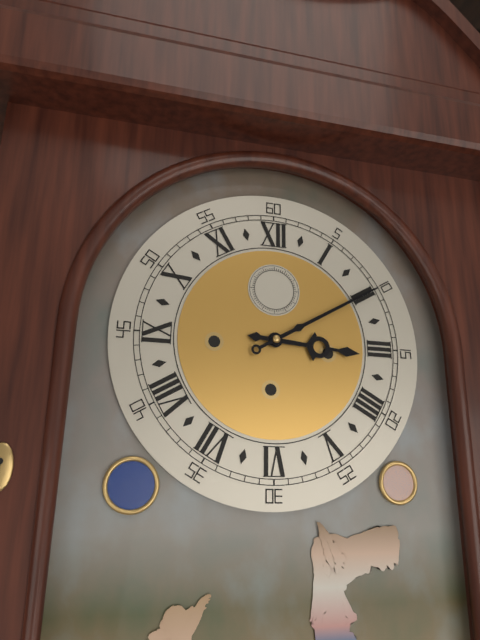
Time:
3:10
